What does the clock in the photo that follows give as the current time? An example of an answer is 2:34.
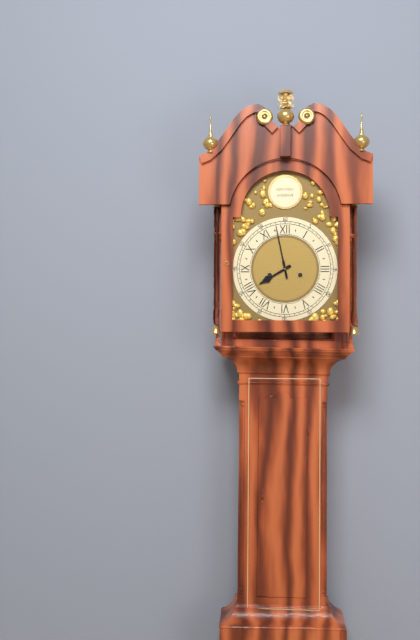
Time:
7:58
